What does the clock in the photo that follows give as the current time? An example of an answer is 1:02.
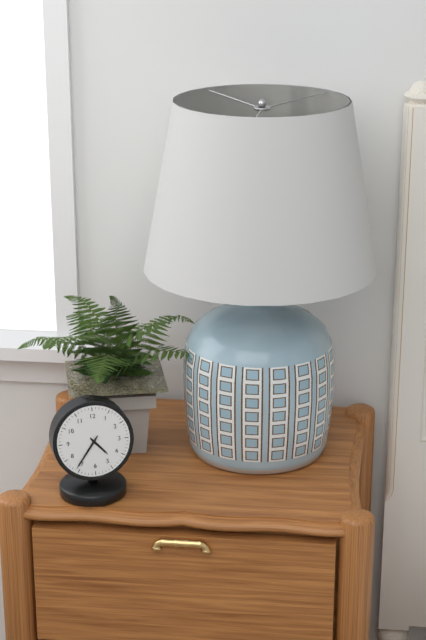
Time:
4:36
